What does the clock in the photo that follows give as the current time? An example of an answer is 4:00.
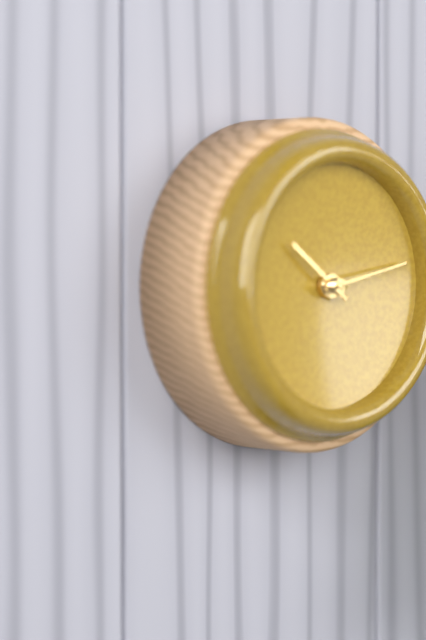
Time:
10:13
